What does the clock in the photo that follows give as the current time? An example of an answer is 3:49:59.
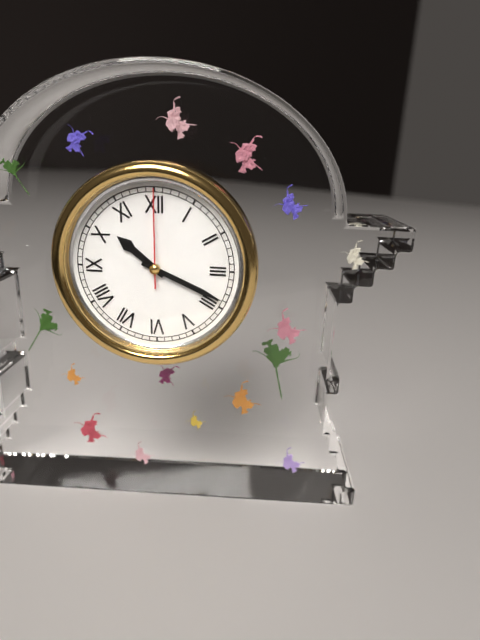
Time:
10:19:00
